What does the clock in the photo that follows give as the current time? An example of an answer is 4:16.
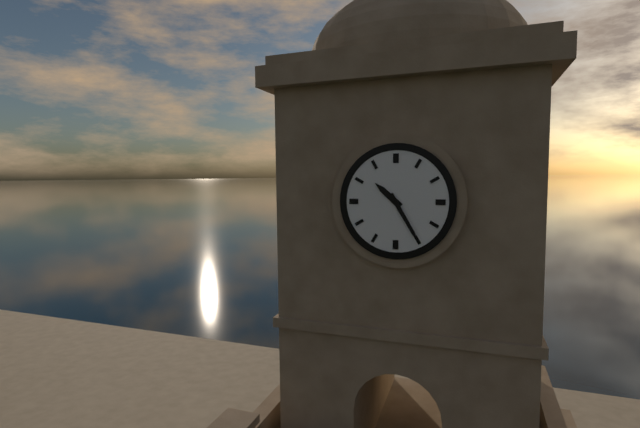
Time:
10:25
